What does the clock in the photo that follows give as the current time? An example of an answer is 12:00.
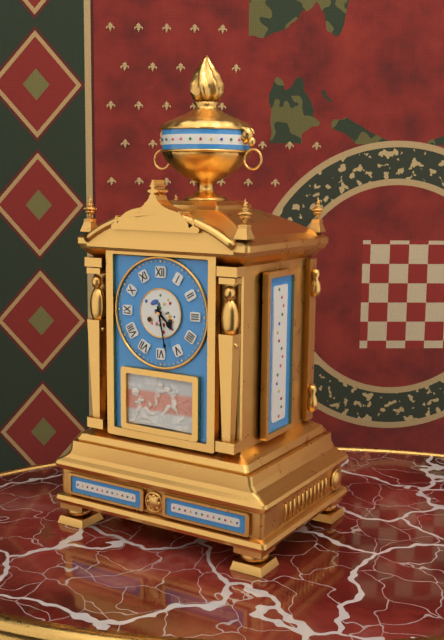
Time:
4:28
